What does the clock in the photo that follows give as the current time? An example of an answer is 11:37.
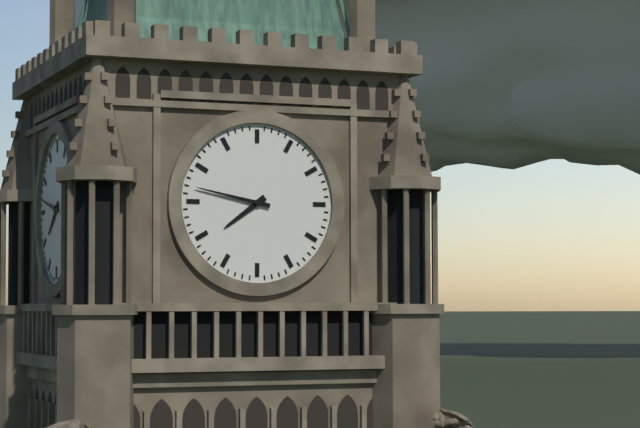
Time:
7:47
